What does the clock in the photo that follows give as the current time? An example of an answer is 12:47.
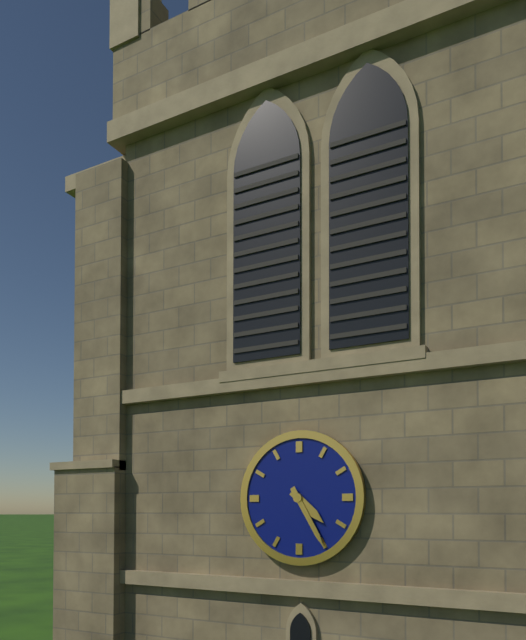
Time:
4:25
